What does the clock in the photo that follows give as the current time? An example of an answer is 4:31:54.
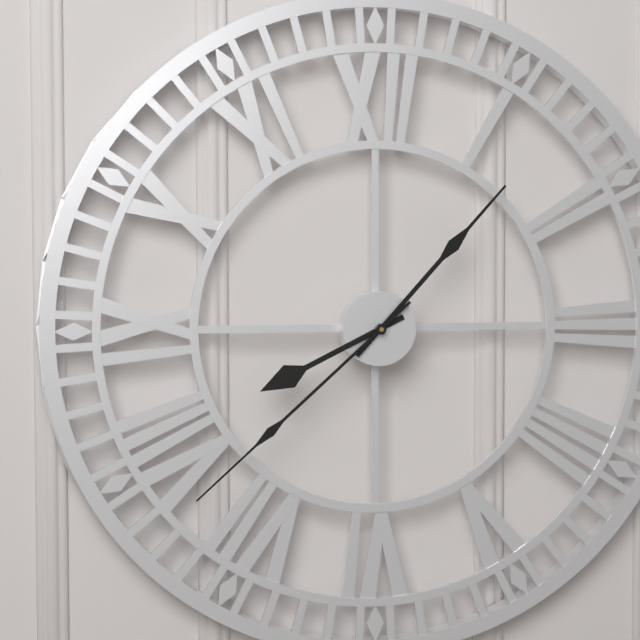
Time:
8:07:38
